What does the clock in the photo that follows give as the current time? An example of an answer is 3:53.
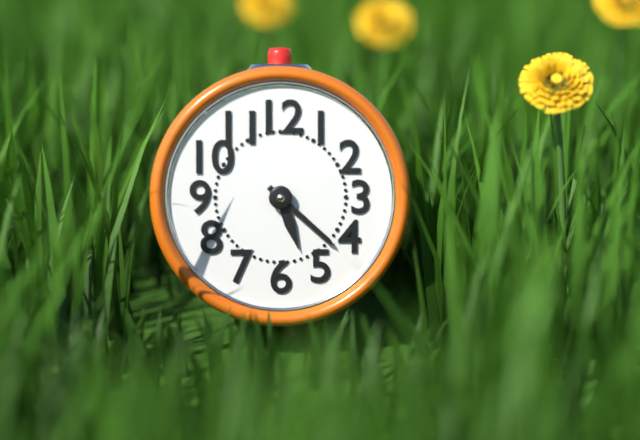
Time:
5:22
